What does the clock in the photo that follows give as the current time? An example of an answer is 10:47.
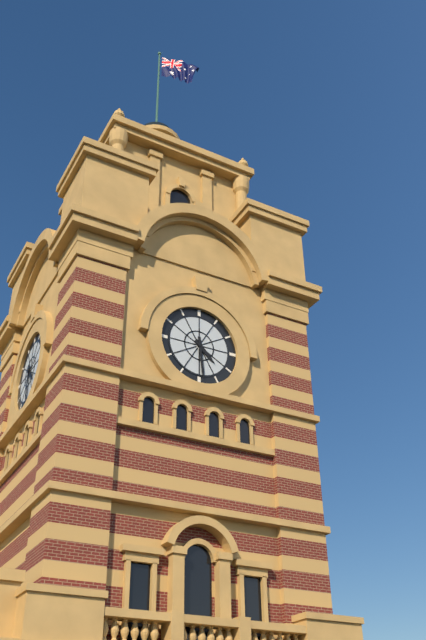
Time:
4:29
